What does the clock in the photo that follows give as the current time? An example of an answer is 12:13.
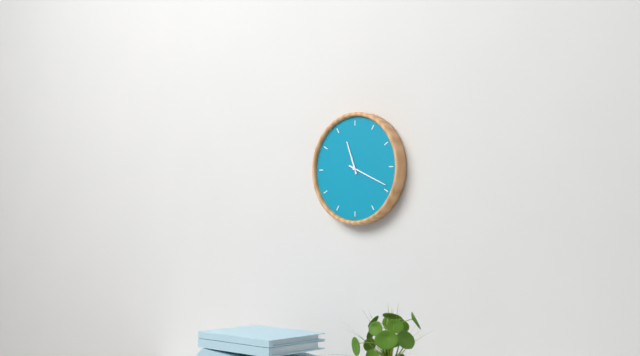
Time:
11:19
